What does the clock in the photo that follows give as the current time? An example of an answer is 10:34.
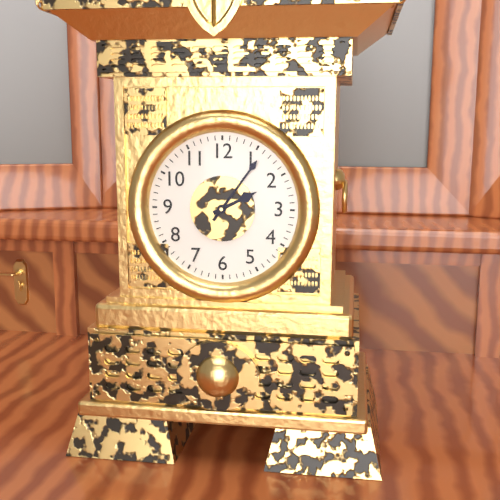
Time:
2:06
